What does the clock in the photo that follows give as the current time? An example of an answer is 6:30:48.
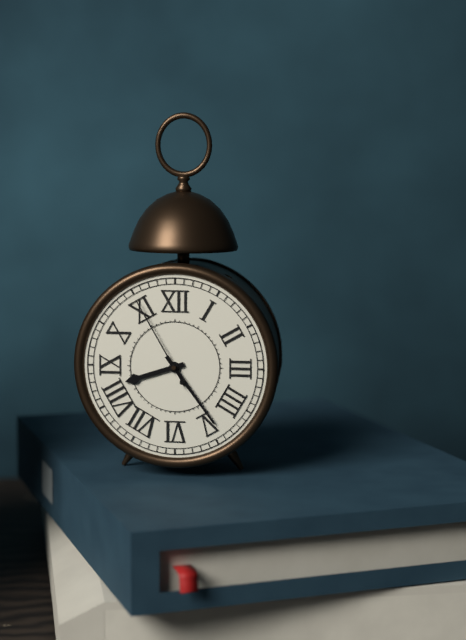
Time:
8:24:55
